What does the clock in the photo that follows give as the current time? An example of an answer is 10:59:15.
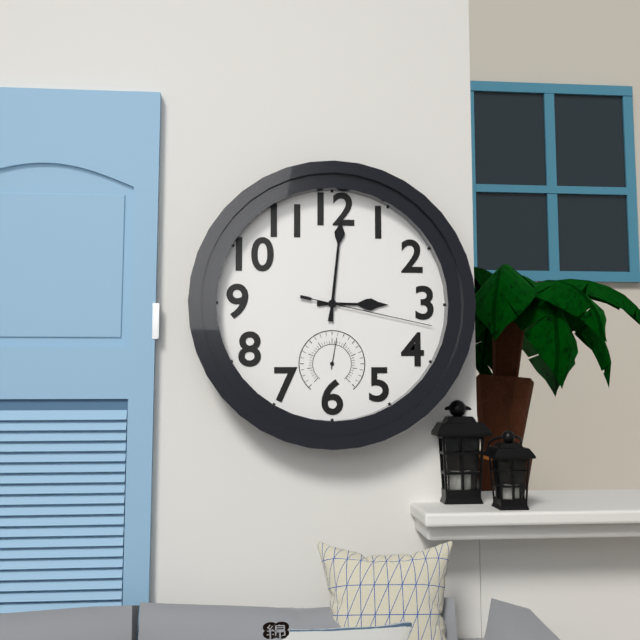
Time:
3:01:17
